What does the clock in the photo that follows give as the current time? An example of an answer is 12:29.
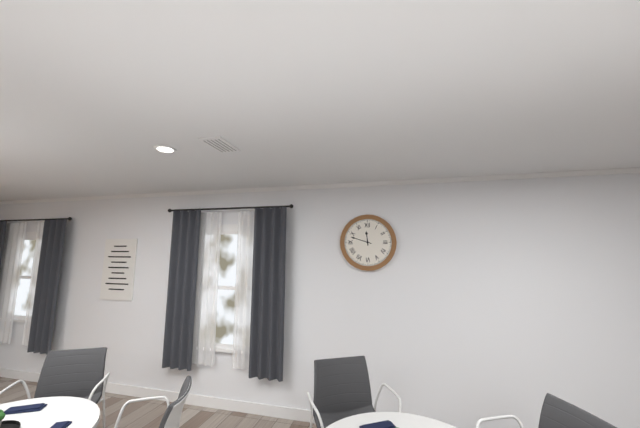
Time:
11:48
